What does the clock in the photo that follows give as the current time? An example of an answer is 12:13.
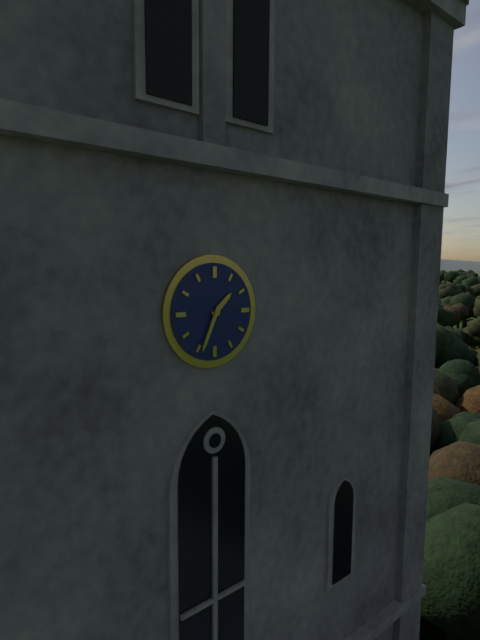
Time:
1:34
